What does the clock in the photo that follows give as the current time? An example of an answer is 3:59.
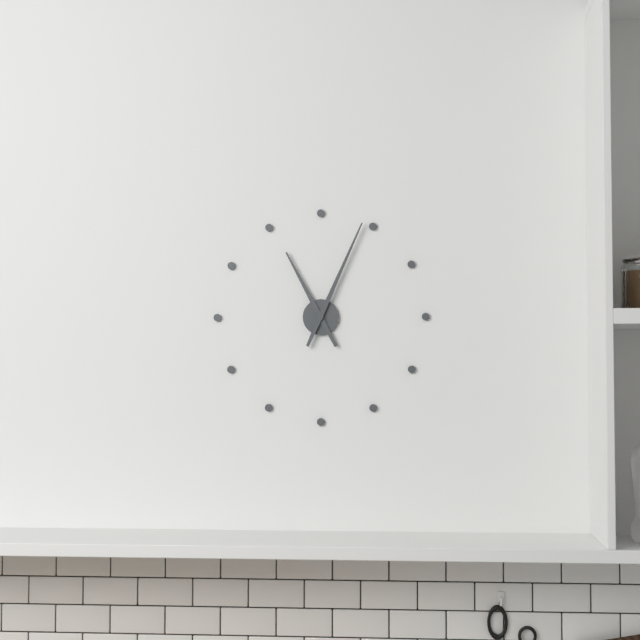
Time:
11:04
